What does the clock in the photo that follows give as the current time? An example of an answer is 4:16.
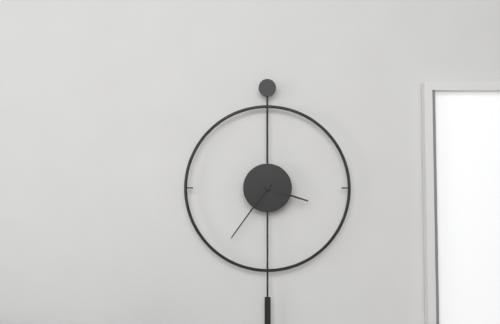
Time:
3:36
